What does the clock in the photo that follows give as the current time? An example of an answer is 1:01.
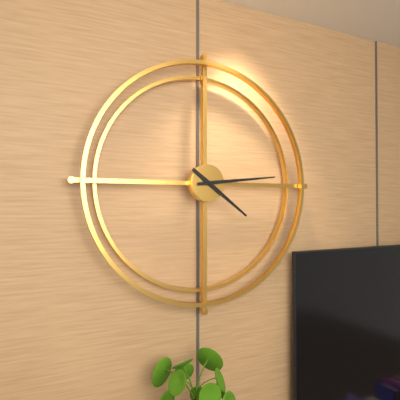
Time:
4:14
